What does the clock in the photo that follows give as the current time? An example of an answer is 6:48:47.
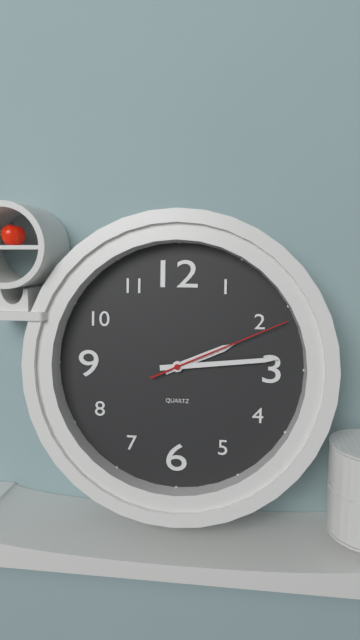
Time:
2:14:11
